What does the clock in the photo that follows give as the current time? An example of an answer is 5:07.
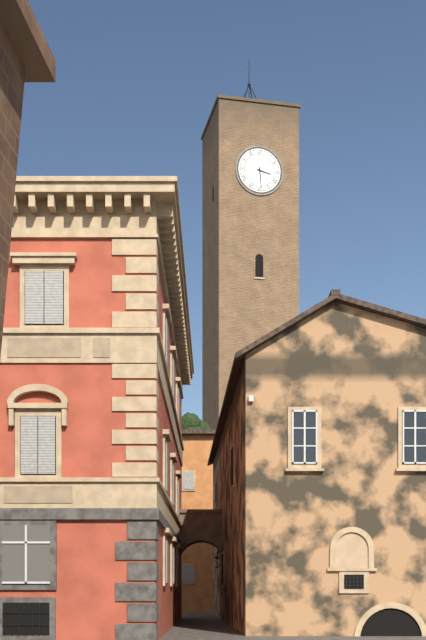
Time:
3:29
